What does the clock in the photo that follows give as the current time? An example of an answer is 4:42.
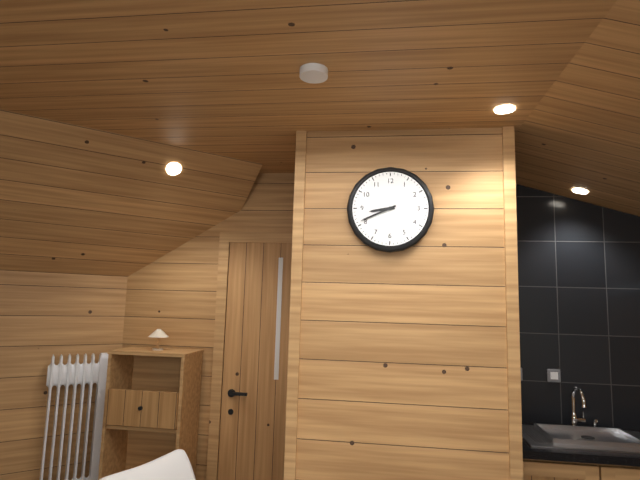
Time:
8:41
